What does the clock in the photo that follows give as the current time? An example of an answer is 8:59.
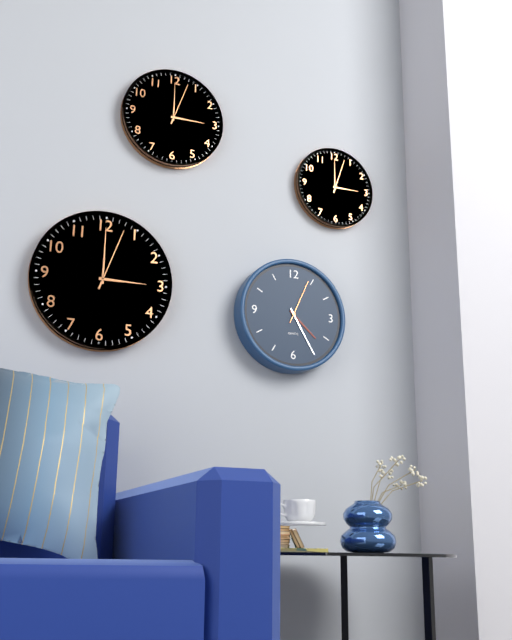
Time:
4:25
